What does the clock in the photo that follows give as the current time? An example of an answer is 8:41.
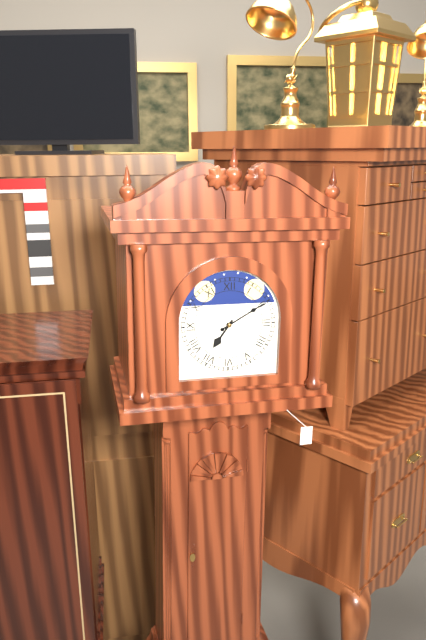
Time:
7:10
